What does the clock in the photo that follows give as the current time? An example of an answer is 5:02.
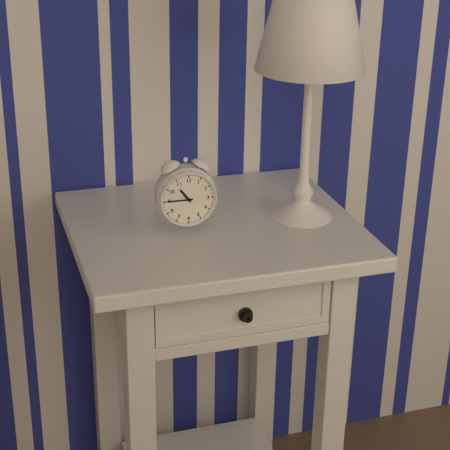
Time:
10:45
